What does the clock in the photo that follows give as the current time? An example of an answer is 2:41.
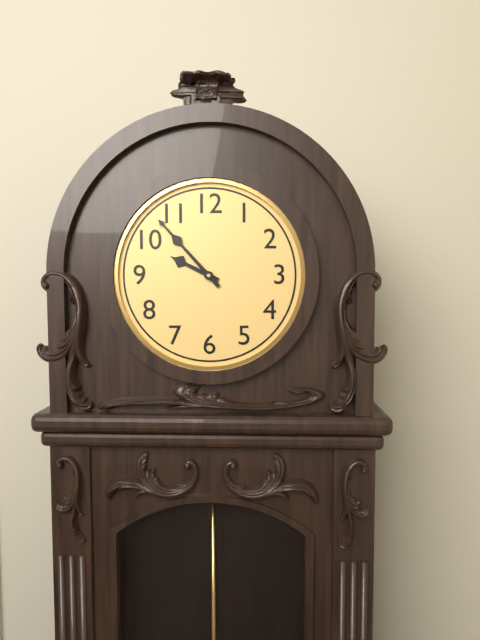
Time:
9:53
